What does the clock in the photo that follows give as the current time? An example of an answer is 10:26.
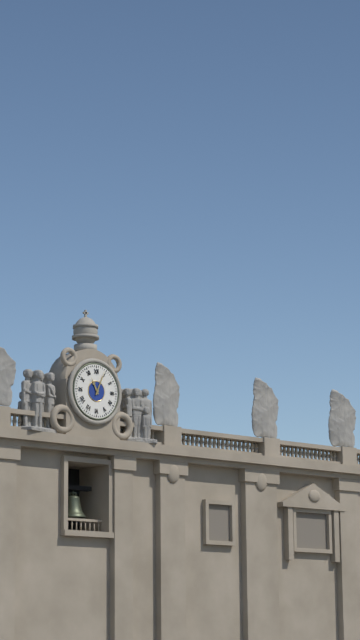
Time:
11:04
